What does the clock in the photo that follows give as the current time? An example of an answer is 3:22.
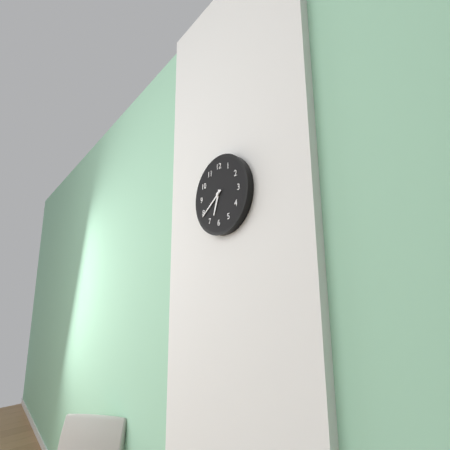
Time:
6:39
